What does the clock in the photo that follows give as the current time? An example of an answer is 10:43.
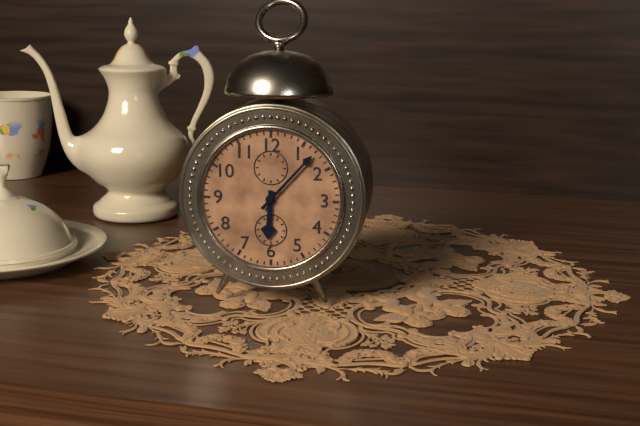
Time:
6:07
